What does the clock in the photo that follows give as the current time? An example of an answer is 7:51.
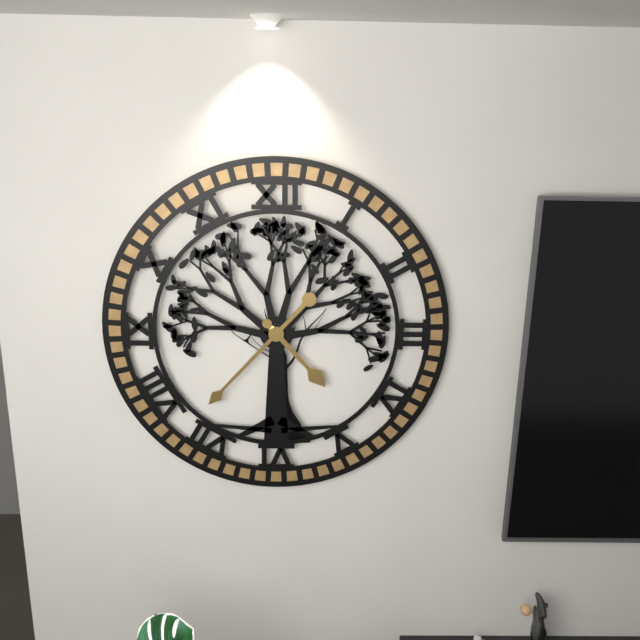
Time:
4:37
